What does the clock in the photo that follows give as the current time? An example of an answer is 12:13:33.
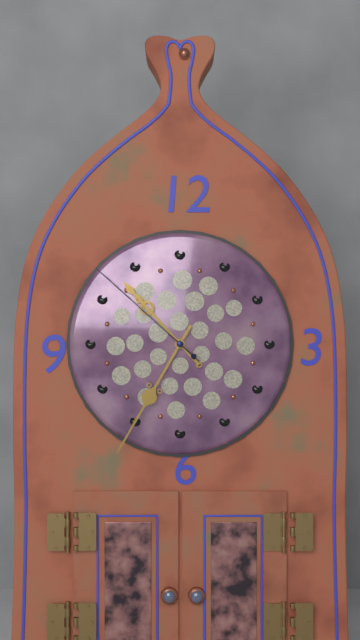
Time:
10:35:52
